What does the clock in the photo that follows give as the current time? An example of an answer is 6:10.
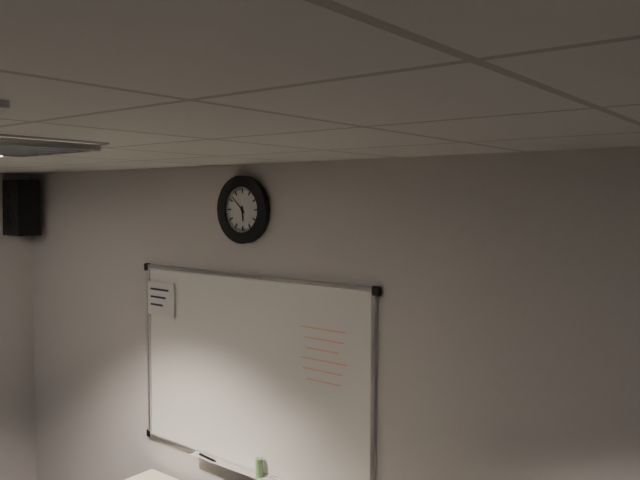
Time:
5:52
